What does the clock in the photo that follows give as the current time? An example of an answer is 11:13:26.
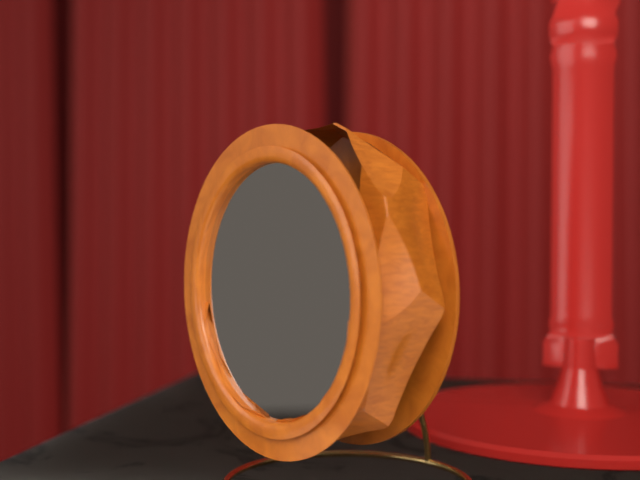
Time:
12:22:56
